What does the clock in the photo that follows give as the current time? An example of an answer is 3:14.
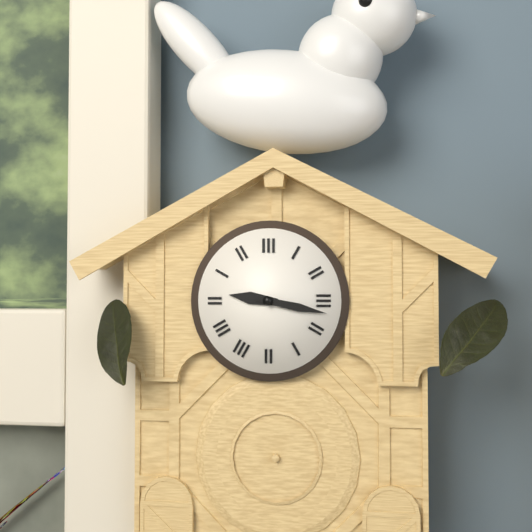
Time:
9:17
